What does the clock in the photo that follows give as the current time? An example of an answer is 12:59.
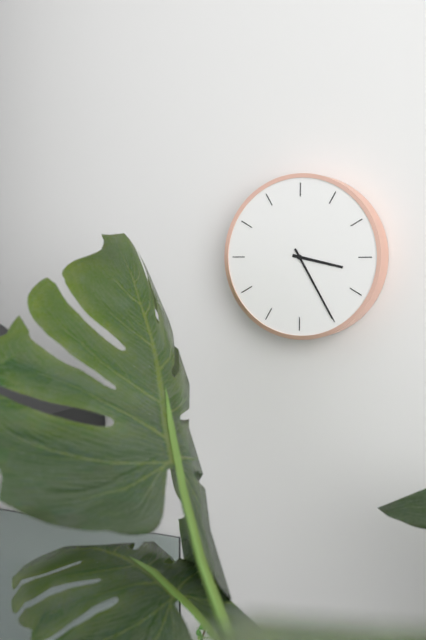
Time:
3:25
